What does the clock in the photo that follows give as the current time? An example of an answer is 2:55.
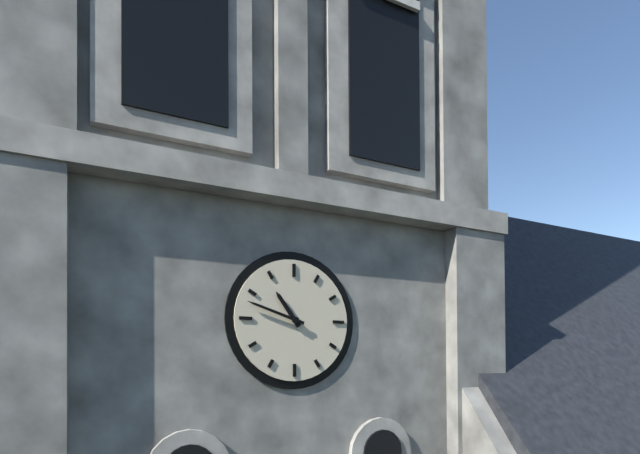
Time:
10:48
